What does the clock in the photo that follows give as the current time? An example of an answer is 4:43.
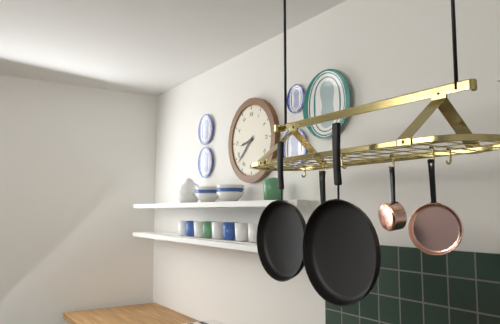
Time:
8:38
